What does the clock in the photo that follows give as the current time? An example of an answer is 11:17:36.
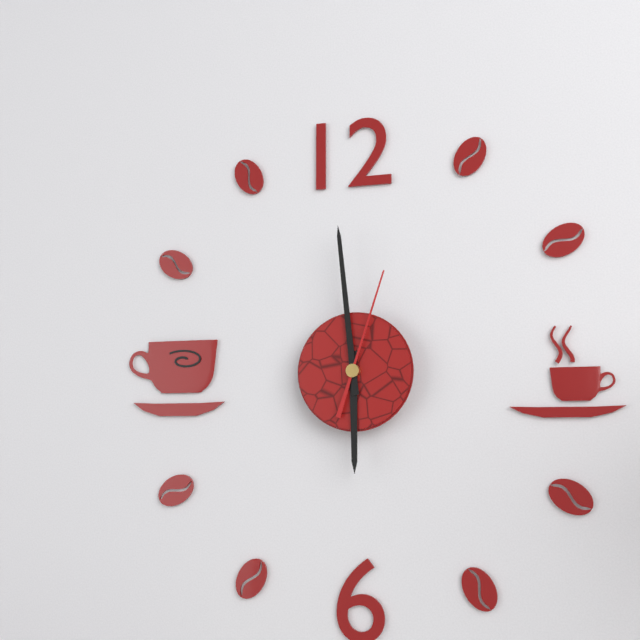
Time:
5:59:03
